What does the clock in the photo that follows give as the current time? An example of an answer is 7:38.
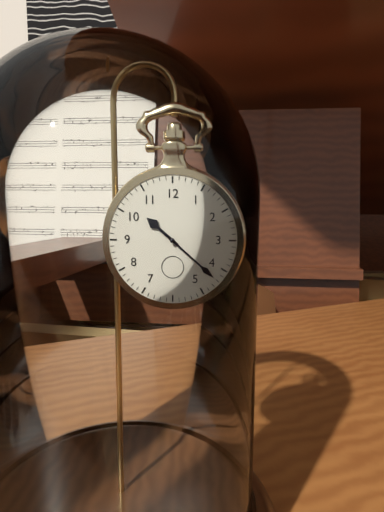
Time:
10:22
